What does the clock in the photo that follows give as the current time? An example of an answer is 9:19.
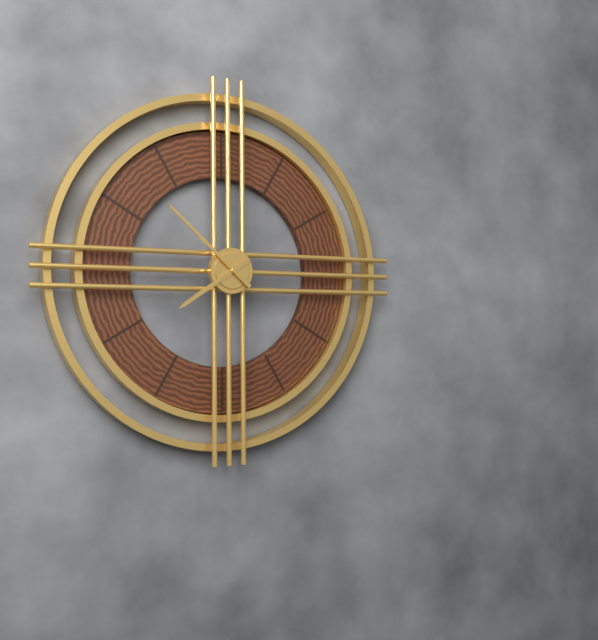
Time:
7:52
